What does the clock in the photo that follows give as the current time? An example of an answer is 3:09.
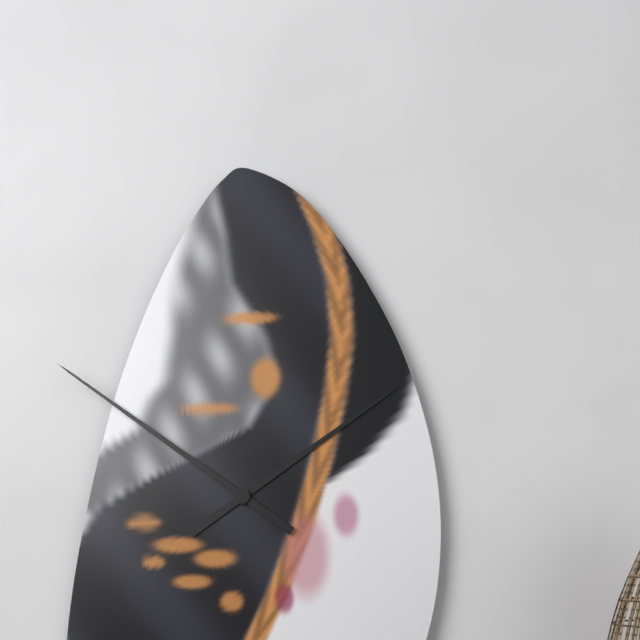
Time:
1:51
